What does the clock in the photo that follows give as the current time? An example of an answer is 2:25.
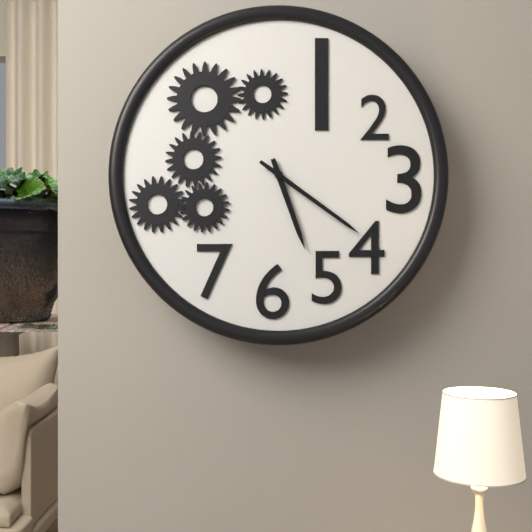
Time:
5:21
